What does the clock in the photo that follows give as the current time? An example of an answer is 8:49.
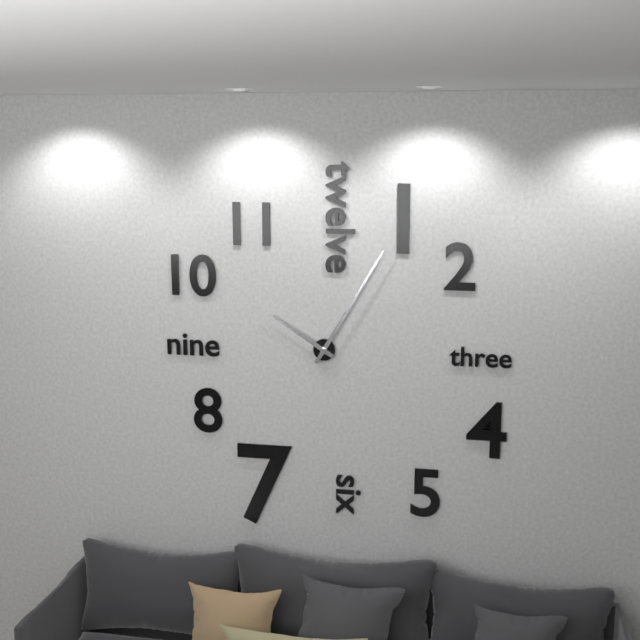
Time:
10:05
